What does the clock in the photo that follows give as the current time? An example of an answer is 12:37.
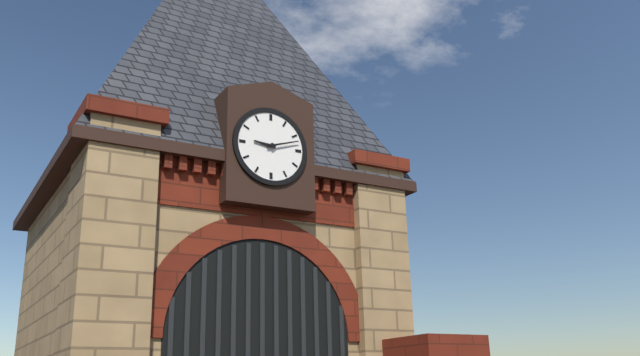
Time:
9:12
